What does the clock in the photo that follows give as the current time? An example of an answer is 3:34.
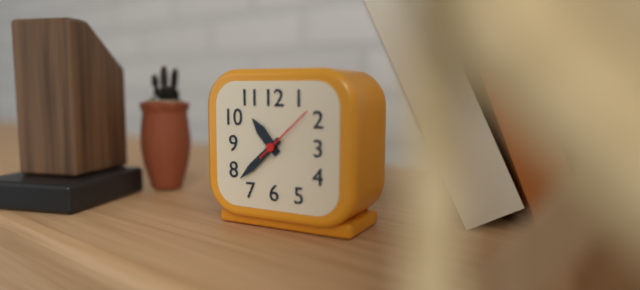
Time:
10:38
